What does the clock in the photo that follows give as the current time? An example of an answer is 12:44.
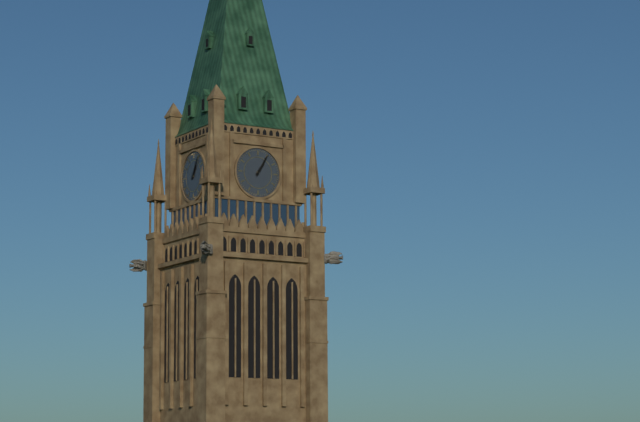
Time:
1:05
